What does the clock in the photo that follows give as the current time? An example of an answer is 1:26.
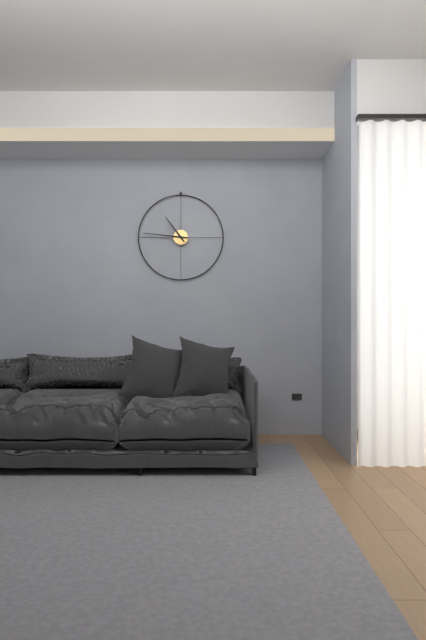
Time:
10:46
